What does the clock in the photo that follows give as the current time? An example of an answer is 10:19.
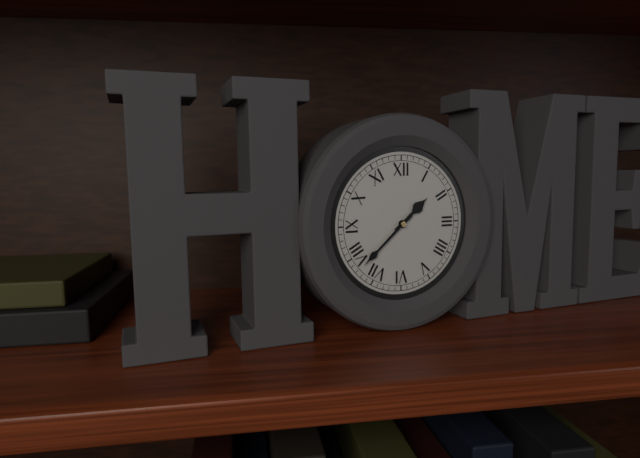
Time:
1:38
